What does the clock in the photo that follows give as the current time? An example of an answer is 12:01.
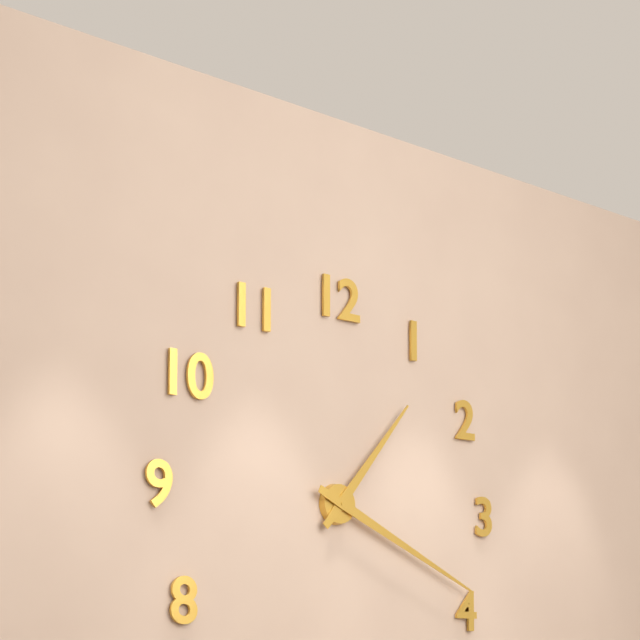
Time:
1:19
